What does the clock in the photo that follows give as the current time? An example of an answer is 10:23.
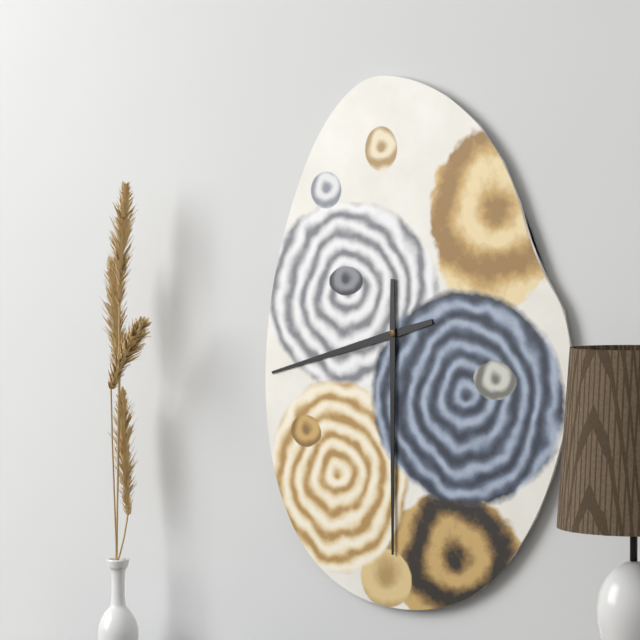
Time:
8:30
